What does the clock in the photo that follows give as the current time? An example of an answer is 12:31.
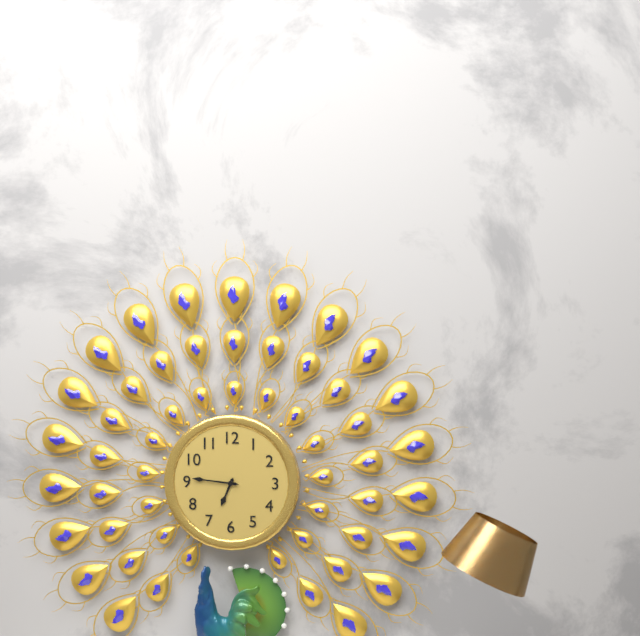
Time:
6:46
